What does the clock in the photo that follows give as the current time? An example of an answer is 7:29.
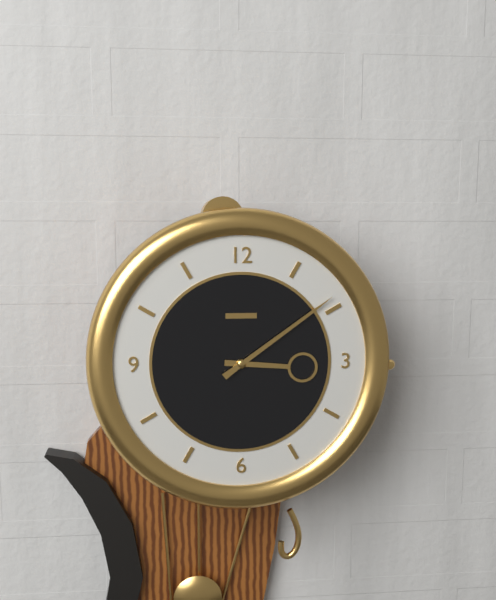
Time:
3:09
